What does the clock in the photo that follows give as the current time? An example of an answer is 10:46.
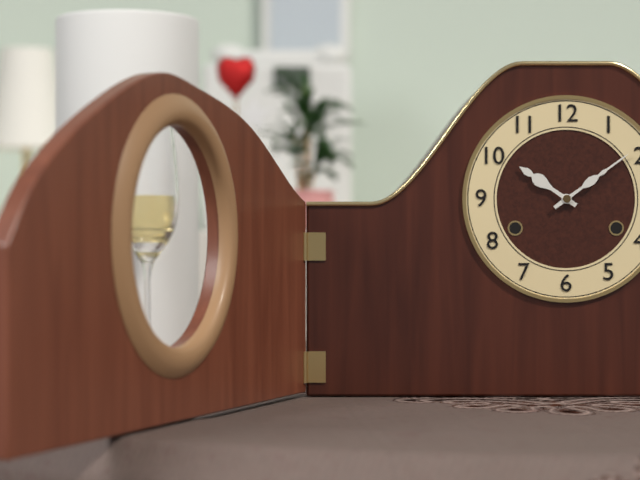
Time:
10:09
